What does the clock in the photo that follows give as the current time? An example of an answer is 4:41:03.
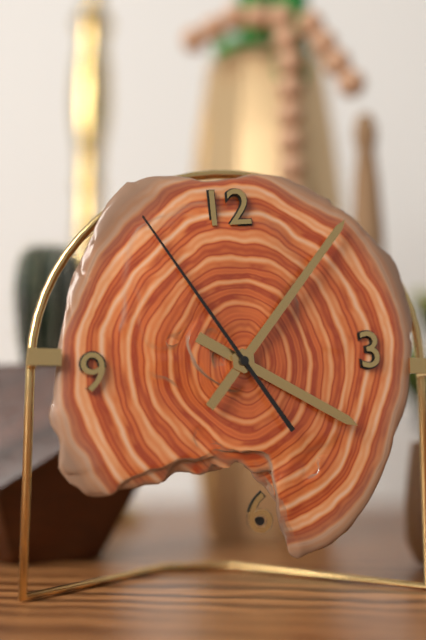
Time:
4:07:55
